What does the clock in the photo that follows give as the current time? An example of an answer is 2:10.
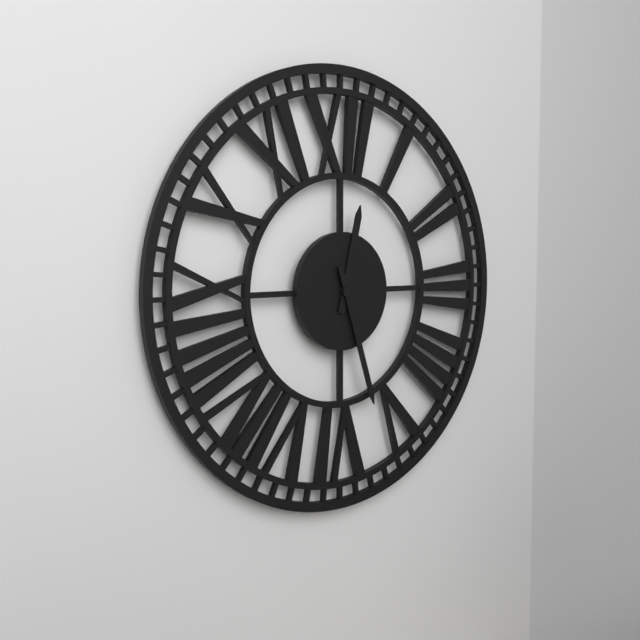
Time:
12:27
